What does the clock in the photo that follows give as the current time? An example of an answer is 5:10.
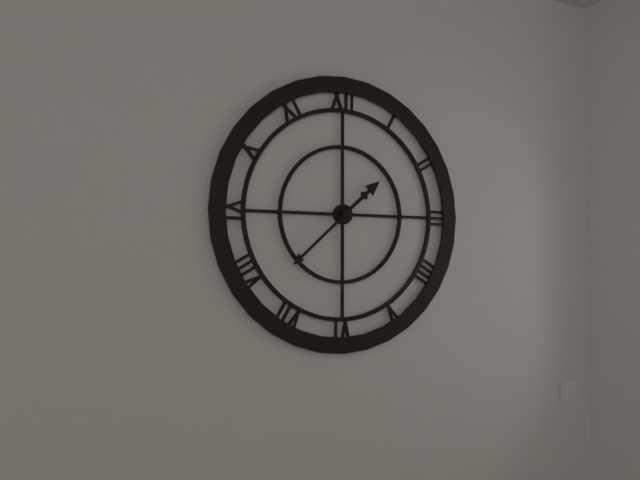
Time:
1:38
